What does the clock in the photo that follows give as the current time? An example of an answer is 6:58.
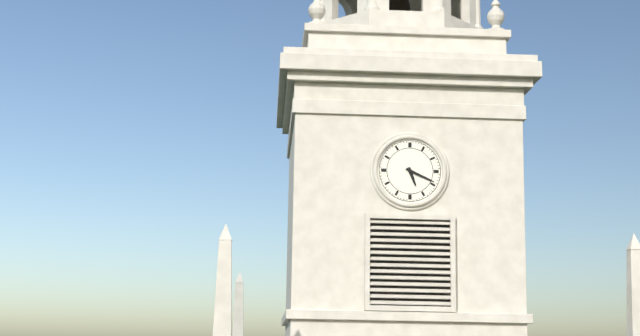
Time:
5:19
